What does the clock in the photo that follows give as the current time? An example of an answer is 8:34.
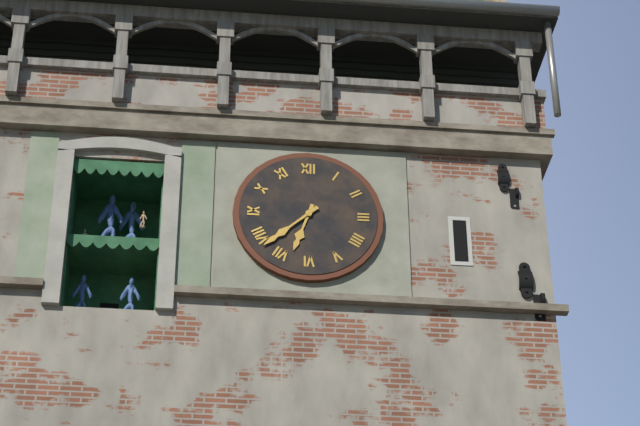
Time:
6:38
